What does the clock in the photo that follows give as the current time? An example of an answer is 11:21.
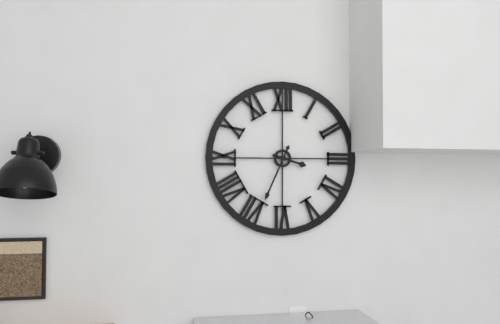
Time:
3:34
